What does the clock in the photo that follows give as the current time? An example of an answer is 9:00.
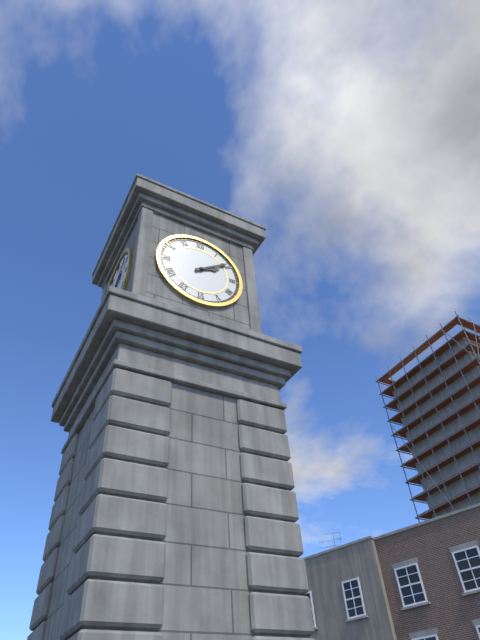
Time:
2:09
